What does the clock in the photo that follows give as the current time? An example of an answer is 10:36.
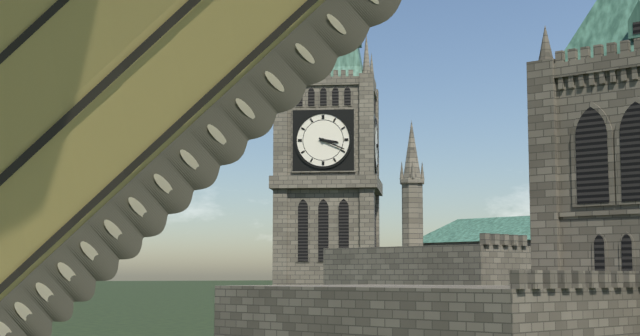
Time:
3:19
